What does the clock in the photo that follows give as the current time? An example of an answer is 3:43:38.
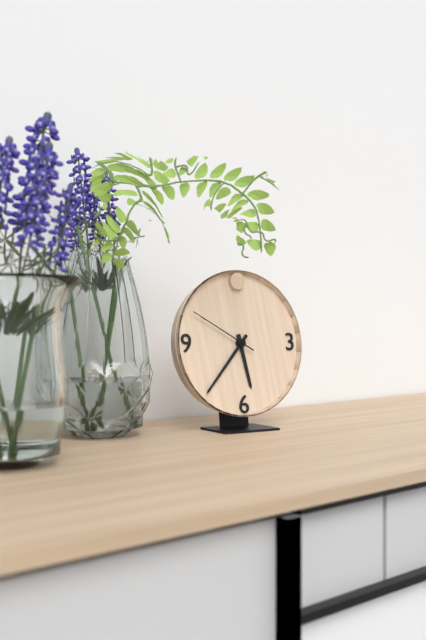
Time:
5:37:50
